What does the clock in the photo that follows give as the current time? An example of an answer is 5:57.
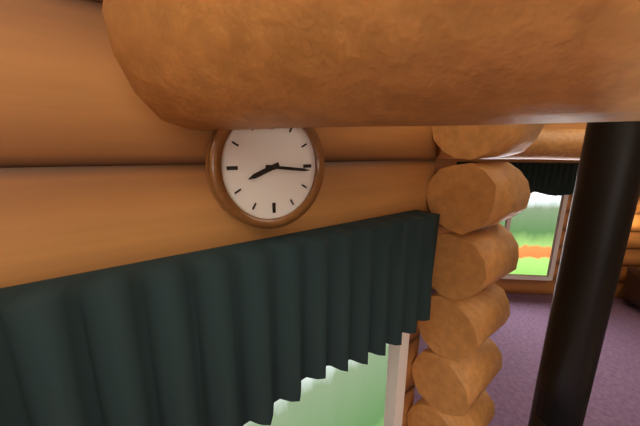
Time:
8:16
